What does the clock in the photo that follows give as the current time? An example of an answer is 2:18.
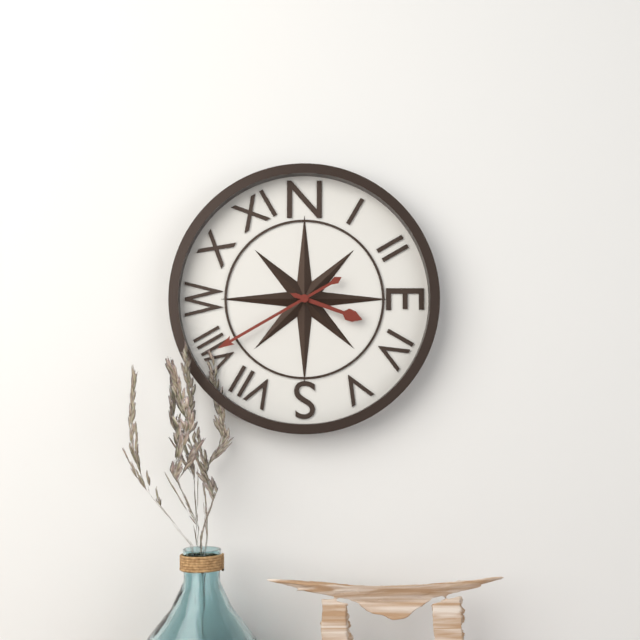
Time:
3:40
